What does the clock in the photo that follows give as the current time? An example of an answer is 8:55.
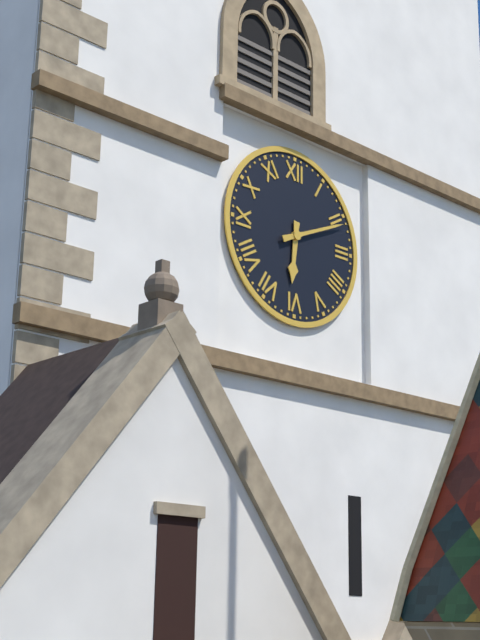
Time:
6:11
